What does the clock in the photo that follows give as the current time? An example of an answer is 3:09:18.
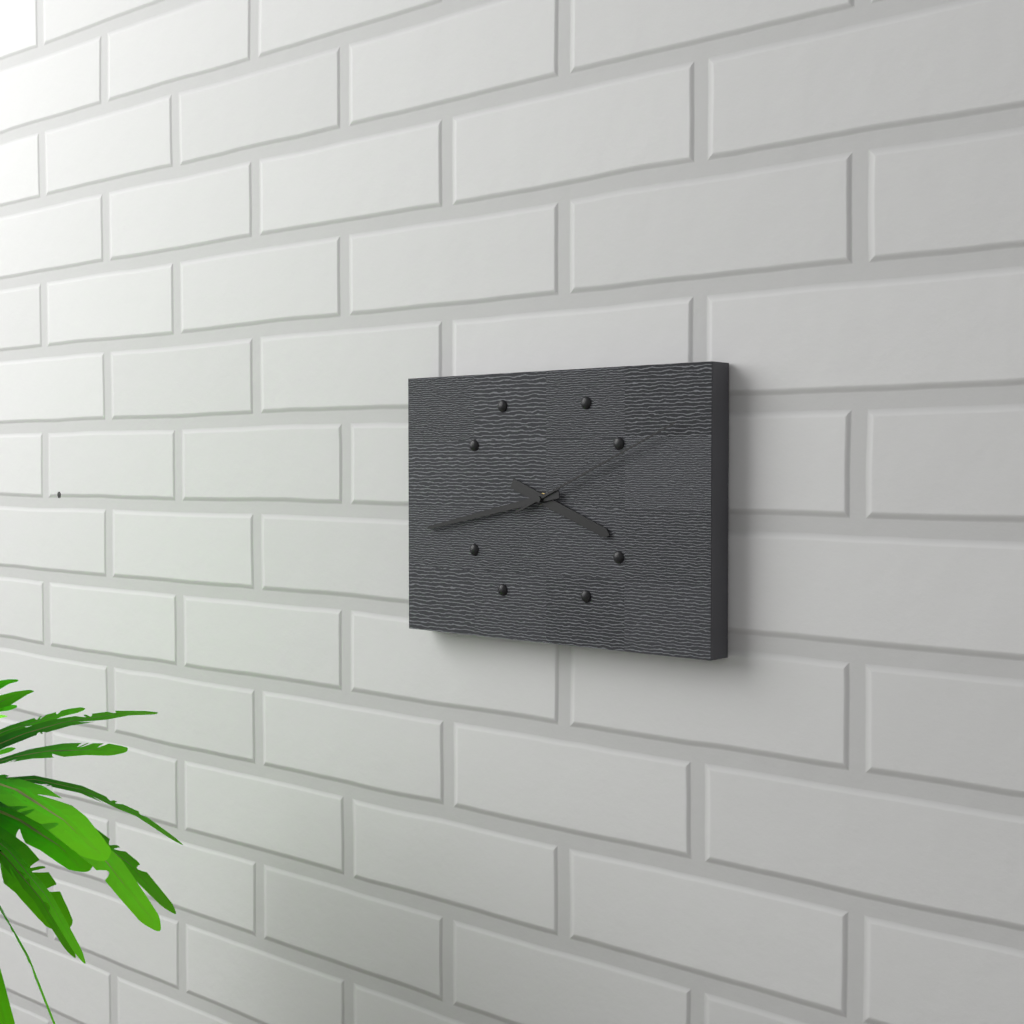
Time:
3:43:11
